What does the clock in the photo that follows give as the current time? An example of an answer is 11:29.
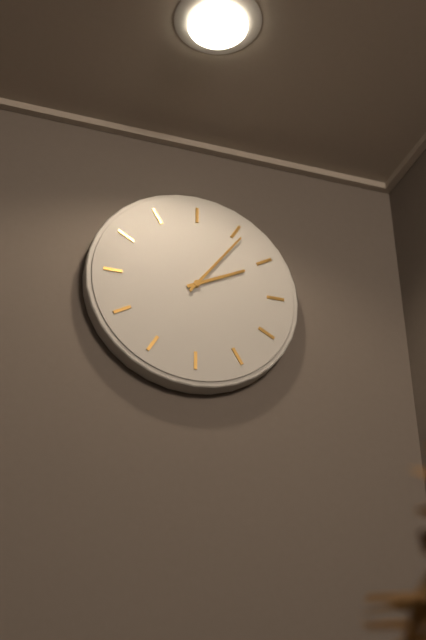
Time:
2:06
